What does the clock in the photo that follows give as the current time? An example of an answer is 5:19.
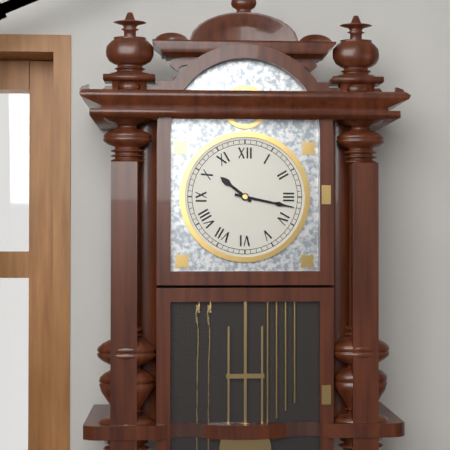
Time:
10:17
